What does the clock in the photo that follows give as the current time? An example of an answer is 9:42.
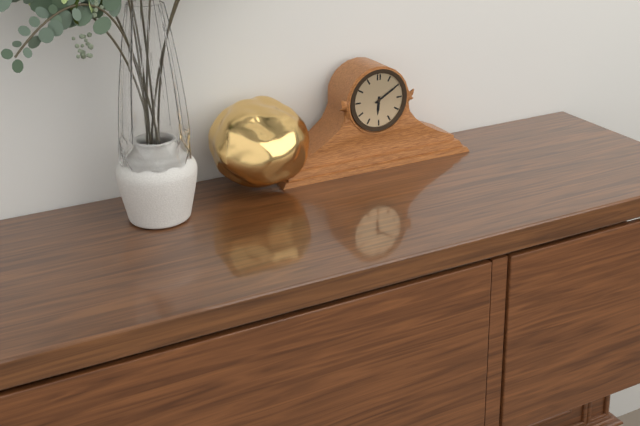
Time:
6:10
